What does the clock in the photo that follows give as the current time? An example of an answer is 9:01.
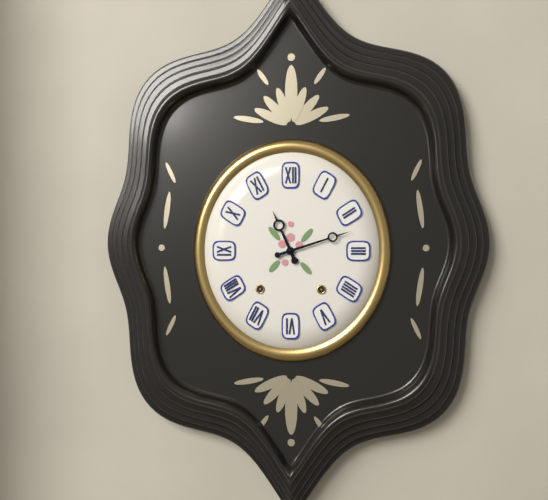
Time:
11:12
